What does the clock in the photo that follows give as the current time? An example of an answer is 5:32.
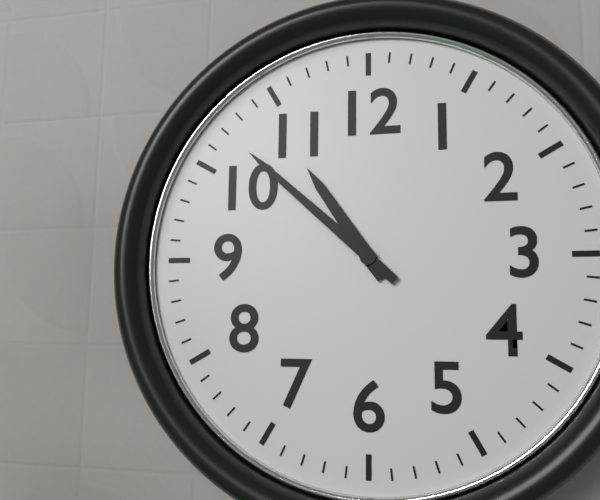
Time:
10:52
